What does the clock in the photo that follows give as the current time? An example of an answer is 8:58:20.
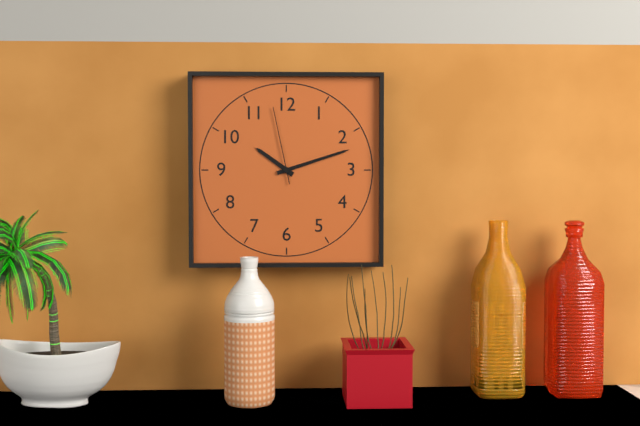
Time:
10:12:58
